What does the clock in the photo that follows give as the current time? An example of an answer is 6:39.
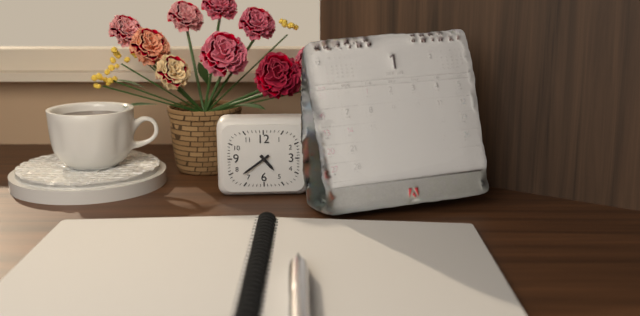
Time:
4:39
